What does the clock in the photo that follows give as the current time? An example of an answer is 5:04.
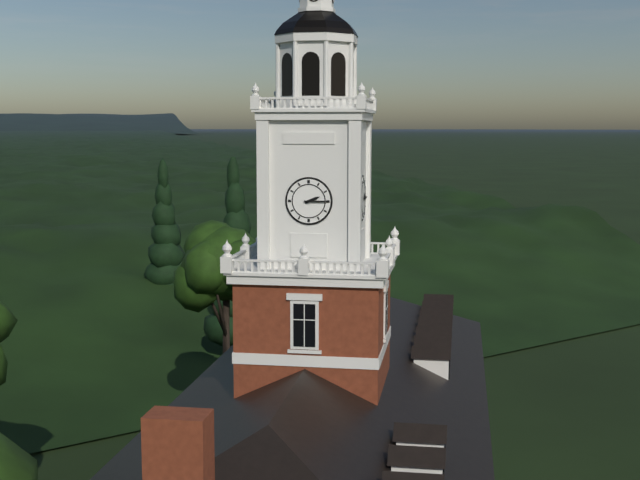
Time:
2:15
